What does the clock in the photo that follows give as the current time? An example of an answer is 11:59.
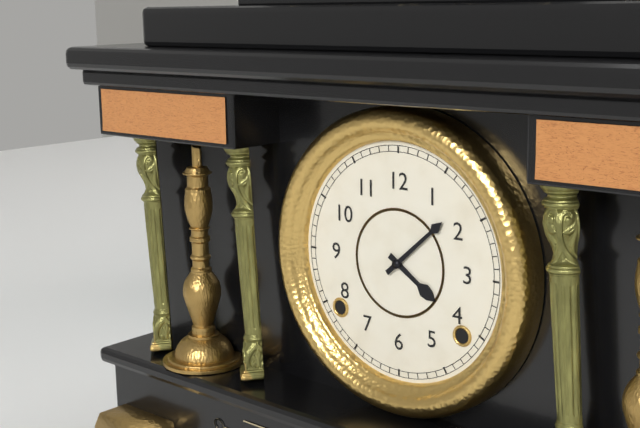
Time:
4:08
